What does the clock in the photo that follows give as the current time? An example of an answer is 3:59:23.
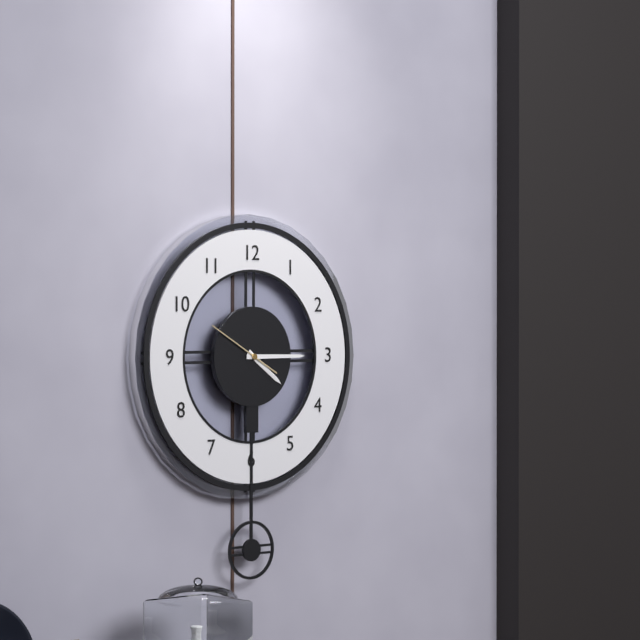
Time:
4:15:50
